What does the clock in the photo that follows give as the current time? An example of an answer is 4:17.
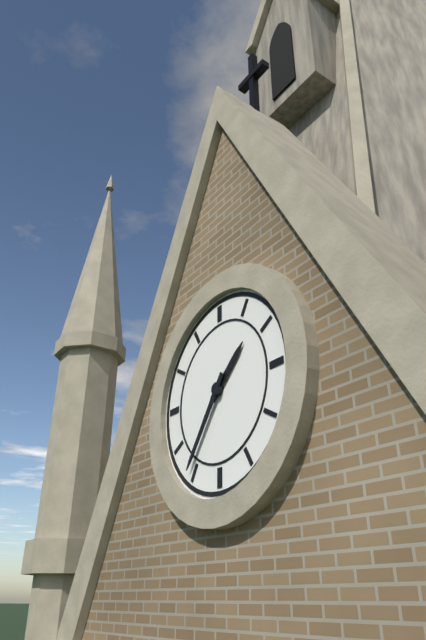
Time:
1:36
